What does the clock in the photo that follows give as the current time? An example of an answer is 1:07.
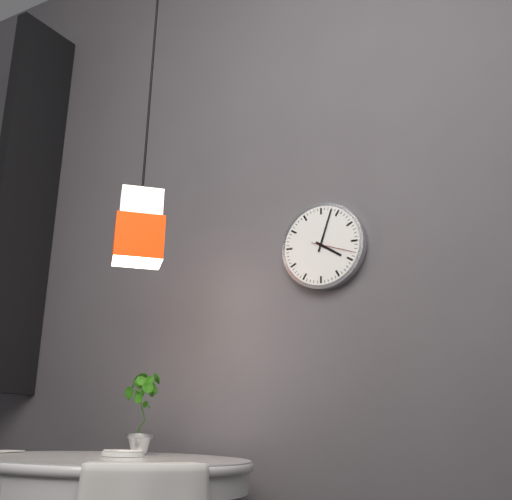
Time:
4:03
